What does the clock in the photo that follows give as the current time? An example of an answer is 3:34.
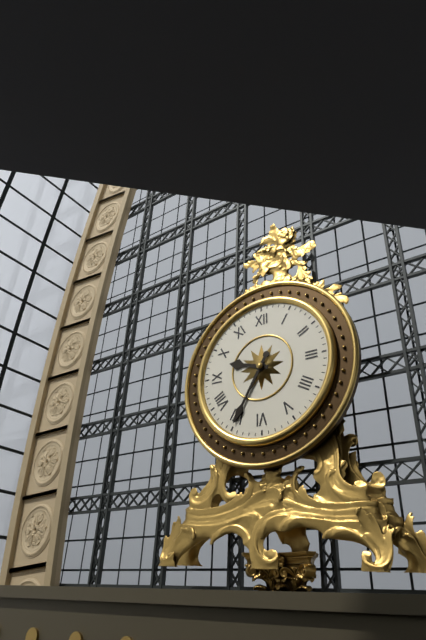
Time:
9:35
